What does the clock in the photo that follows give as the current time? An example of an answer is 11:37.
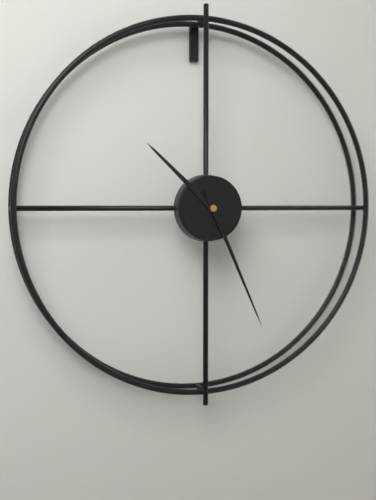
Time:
10:26
